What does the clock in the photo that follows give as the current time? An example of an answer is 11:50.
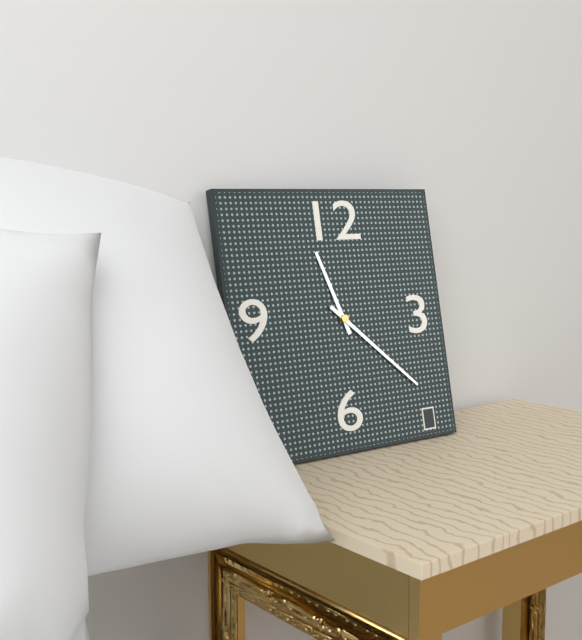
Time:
11:22
